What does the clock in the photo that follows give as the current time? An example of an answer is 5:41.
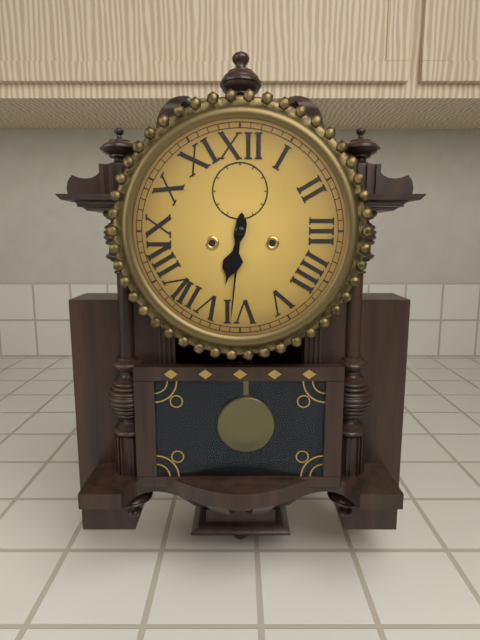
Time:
6:31
